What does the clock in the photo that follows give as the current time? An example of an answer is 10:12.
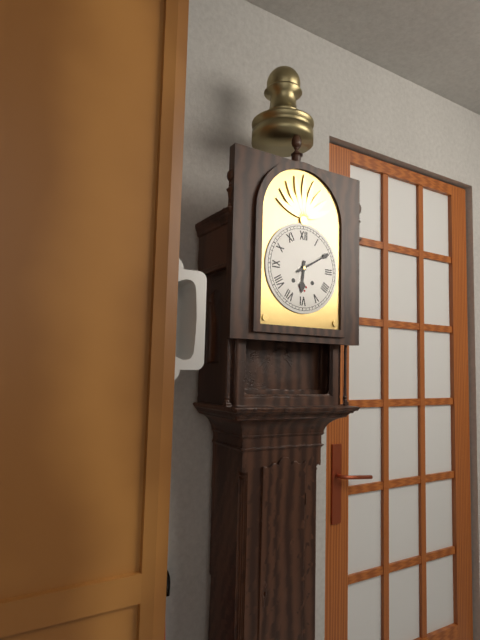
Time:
6:10
